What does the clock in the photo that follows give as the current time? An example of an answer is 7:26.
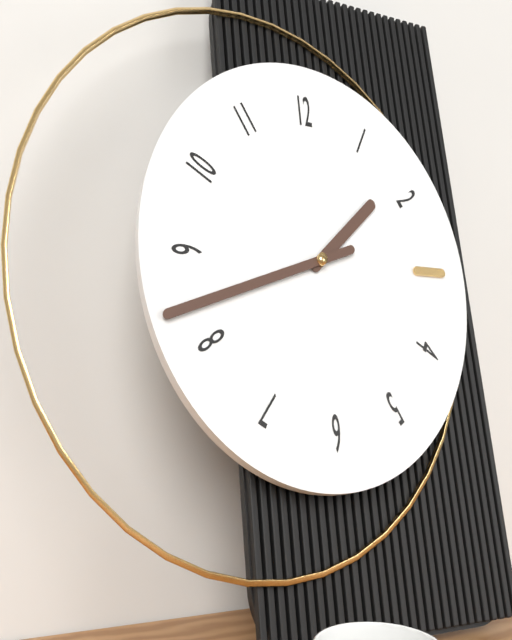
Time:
1:42
